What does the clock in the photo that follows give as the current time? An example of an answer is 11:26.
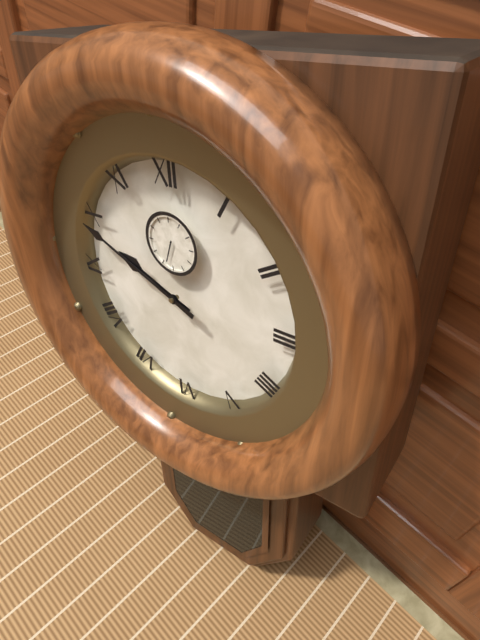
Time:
9:49
